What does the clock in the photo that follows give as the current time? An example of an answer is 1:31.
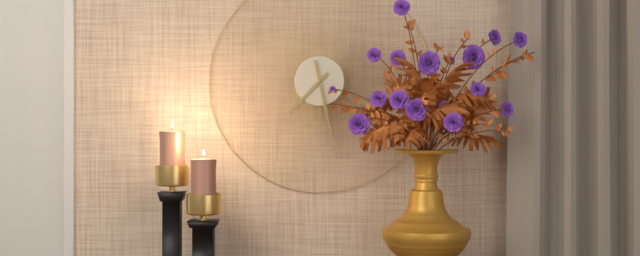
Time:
7:28
